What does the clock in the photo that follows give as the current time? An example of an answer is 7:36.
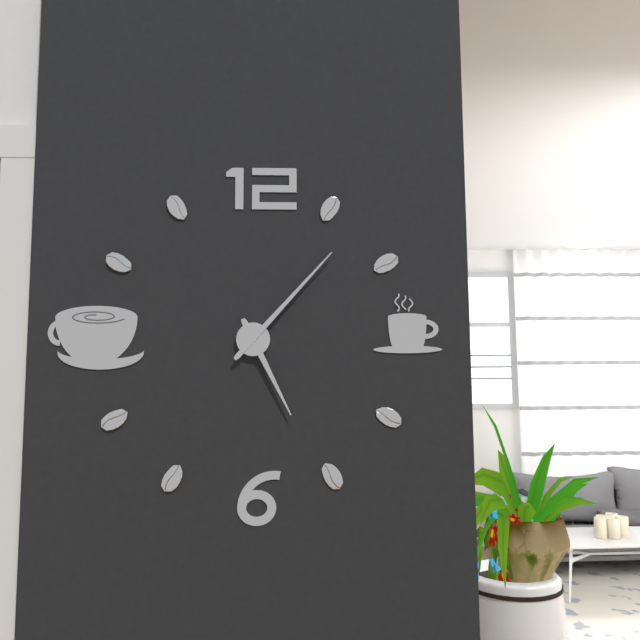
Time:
5:07
